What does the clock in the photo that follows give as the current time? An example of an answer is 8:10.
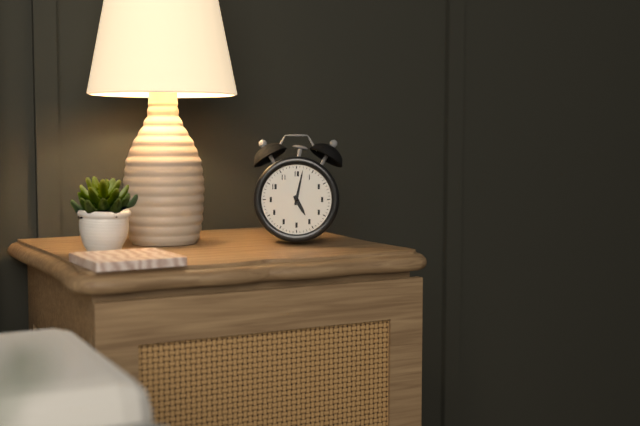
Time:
5:02
